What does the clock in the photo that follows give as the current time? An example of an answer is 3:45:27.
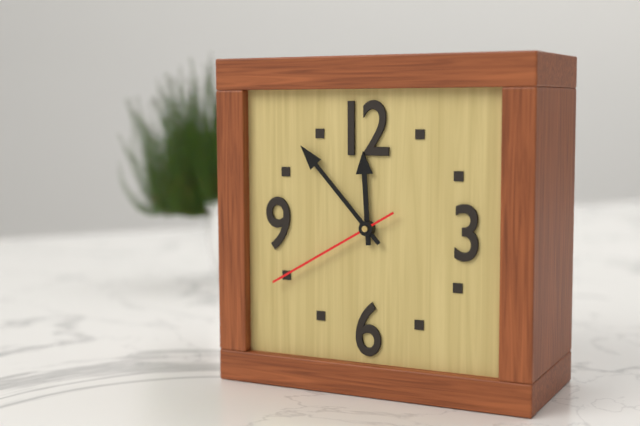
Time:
11:53:40
